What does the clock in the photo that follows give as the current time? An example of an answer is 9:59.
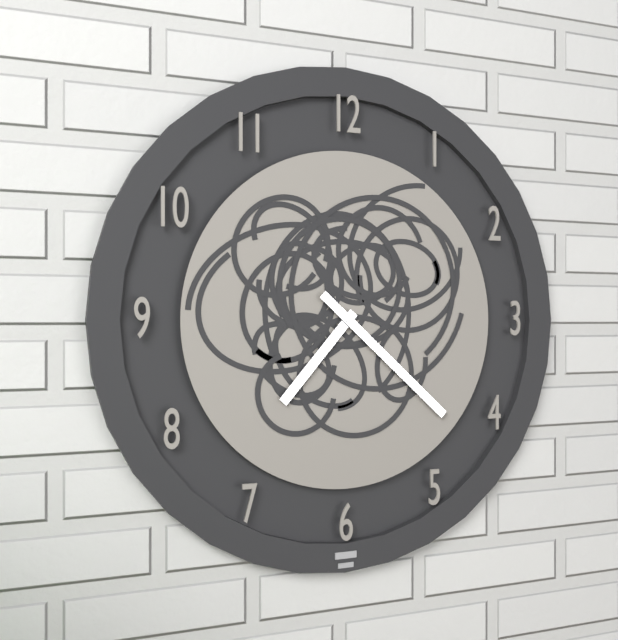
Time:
7:22
